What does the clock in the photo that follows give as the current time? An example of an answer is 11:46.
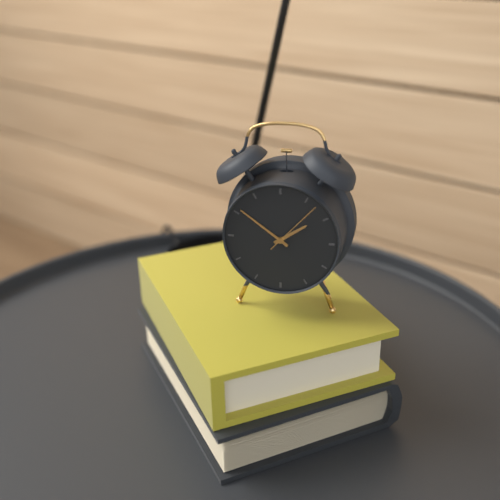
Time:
1:51
